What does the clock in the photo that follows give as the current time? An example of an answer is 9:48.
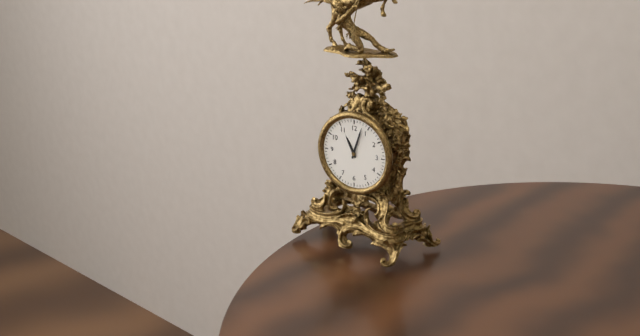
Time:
11:03
